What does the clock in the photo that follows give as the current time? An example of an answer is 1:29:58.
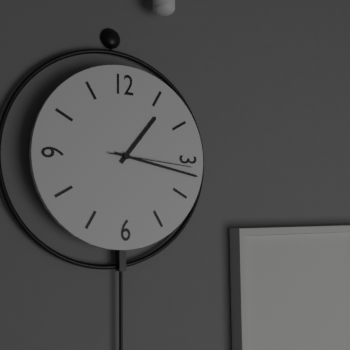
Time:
1:17:16
